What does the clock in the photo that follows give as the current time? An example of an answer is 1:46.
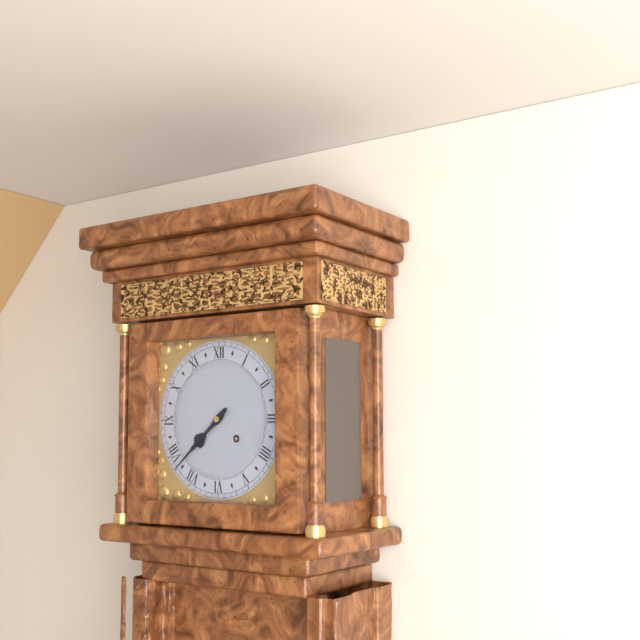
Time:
7:38
